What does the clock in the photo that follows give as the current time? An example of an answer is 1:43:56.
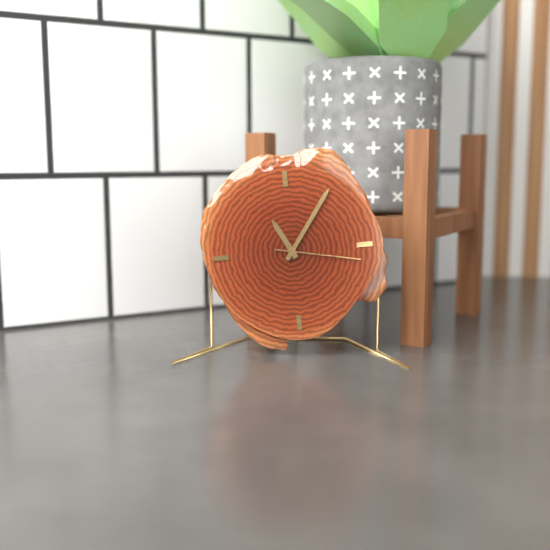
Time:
11:06:17
